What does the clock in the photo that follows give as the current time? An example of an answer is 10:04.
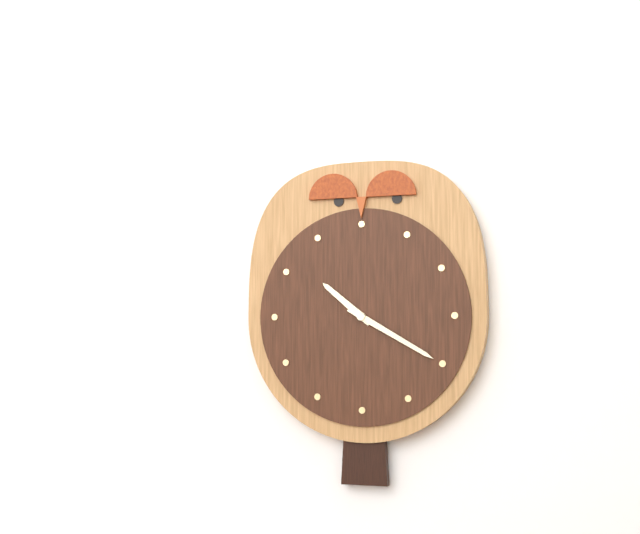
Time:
10:20
